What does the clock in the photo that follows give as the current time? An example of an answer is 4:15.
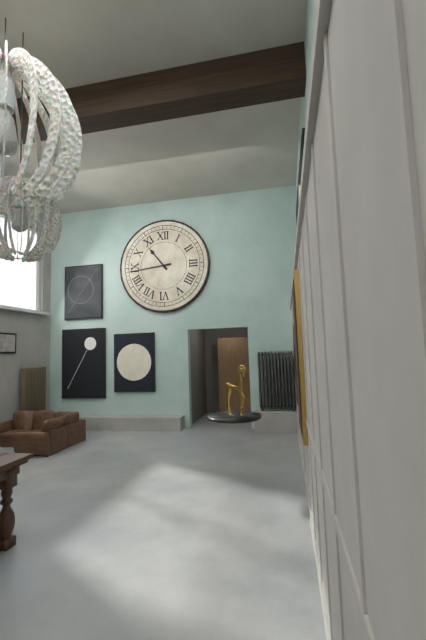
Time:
10:44
